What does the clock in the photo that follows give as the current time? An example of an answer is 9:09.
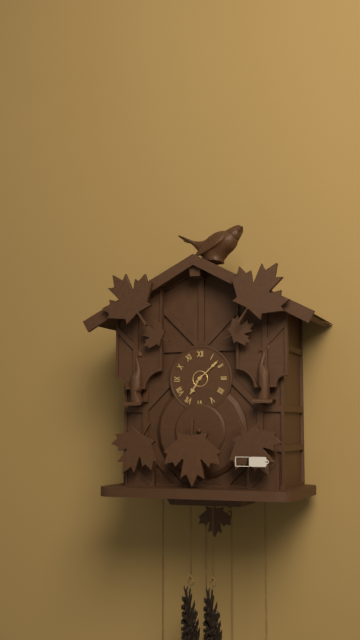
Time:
7:08
